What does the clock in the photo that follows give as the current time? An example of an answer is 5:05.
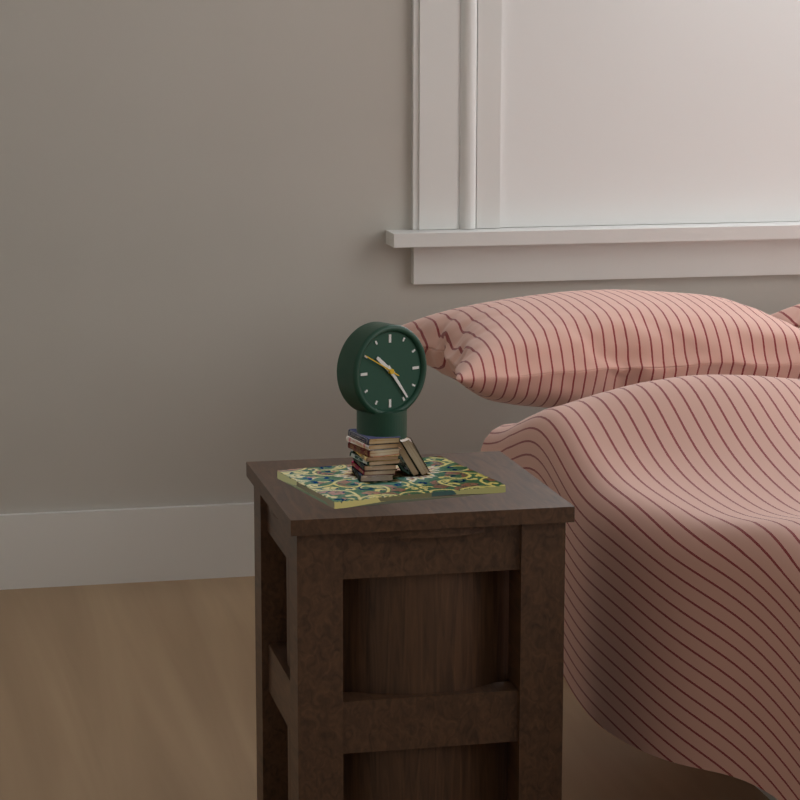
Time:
10:24
